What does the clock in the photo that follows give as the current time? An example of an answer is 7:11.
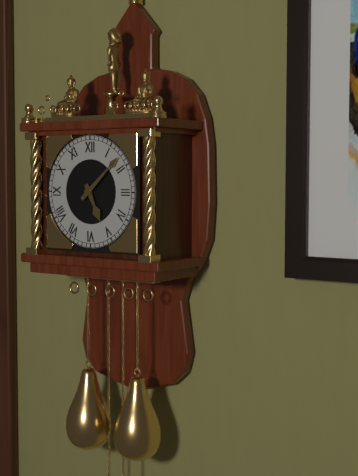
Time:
5:08
